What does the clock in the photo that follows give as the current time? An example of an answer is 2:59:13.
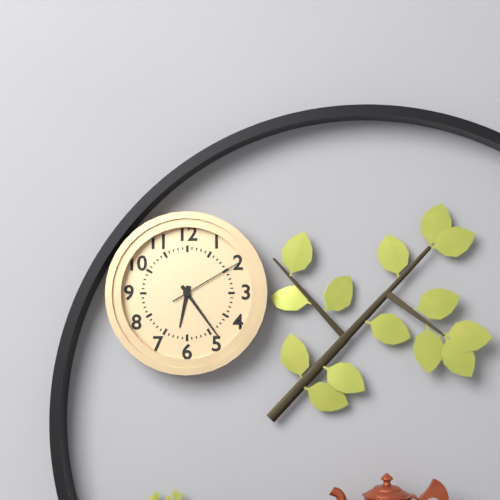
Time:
6:24:10
